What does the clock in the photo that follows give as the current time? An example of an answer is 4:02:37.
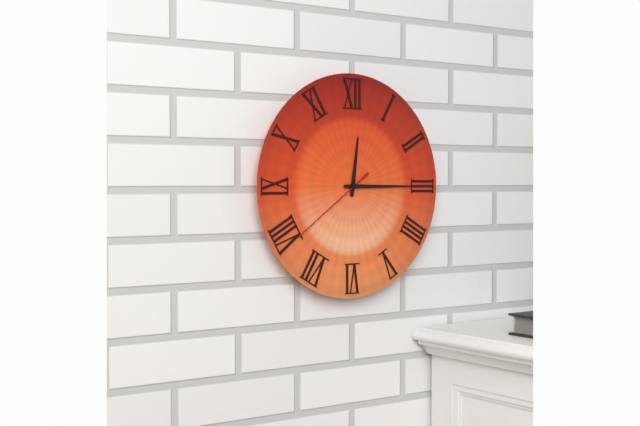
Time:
12:15:39
